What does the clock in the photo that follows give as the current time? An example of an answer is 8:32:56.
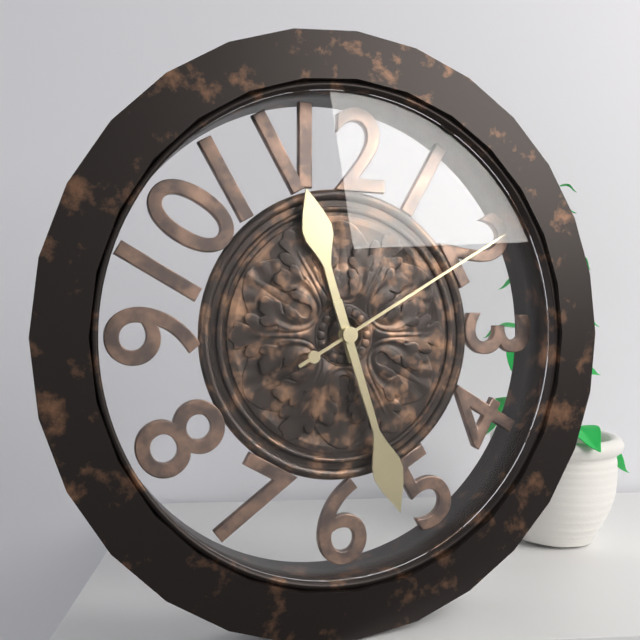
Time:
11:27:10
